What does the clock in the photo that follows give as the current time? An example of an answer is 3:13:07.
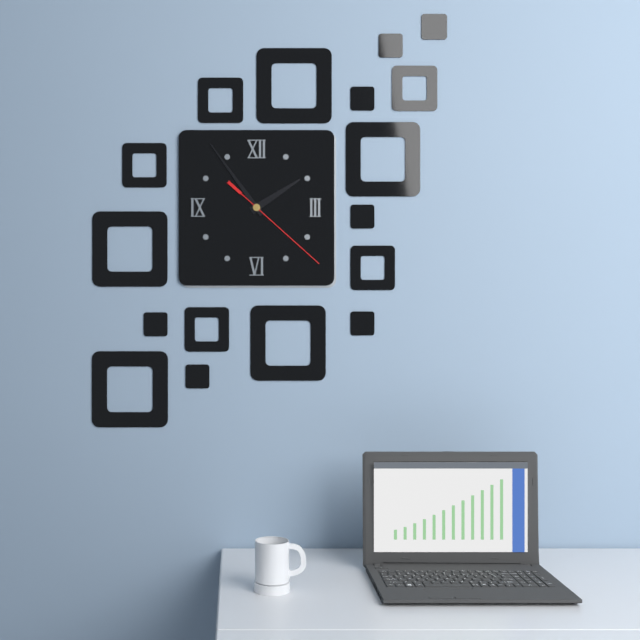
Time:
1:54:22
